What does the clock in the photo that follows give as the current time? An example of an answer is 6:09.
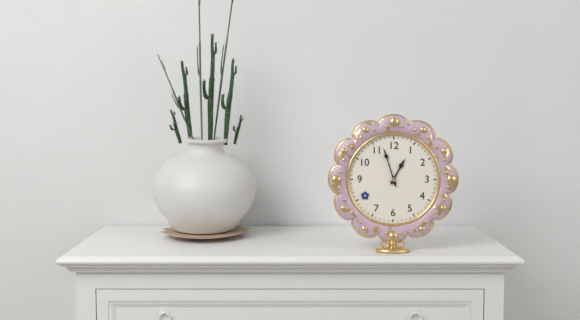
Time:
12:57
